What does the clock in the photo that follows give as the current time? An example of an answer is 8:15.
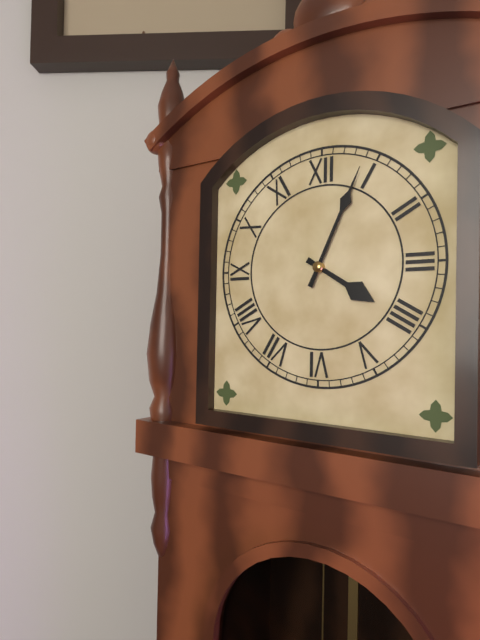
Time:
4:04
